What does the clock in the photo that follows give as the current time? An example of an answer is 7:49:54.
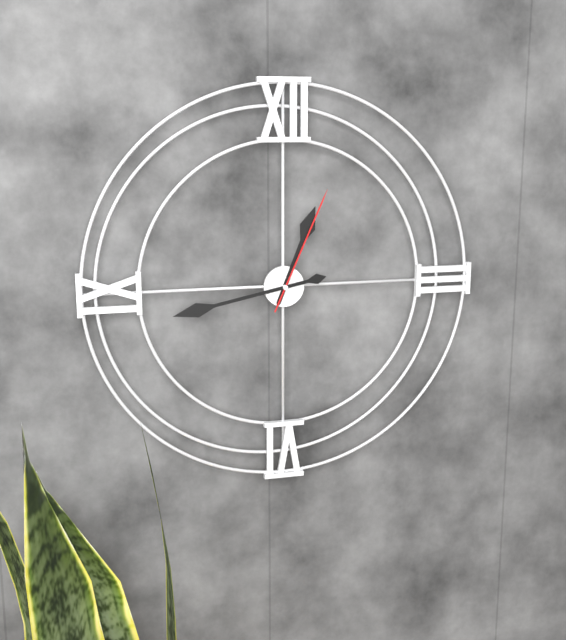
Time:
12:43:04
